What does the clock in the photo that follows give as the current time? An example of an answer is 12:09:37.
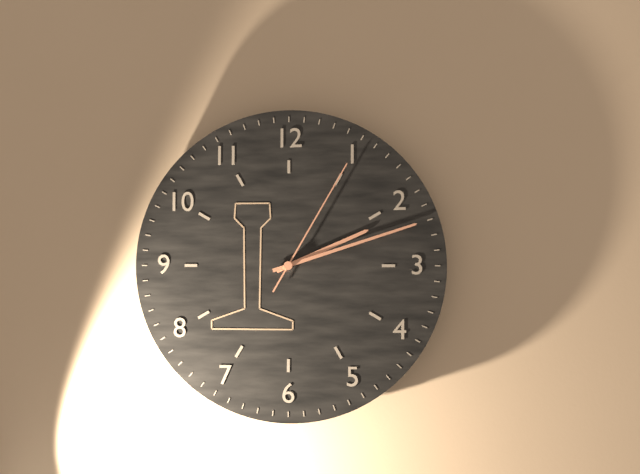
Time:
2:12:05
